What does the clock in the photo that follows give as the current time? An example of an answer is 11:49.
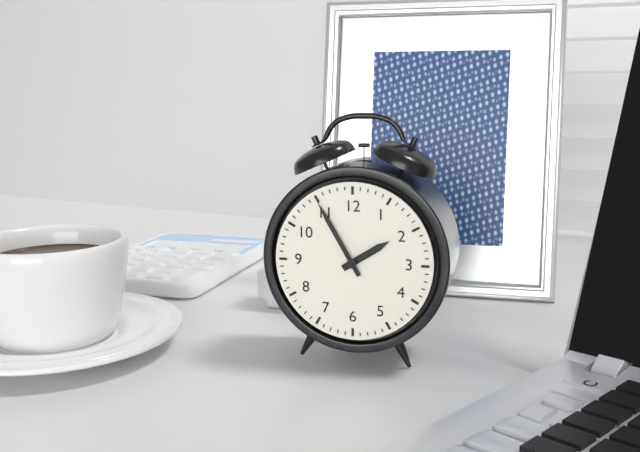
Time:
1:55
